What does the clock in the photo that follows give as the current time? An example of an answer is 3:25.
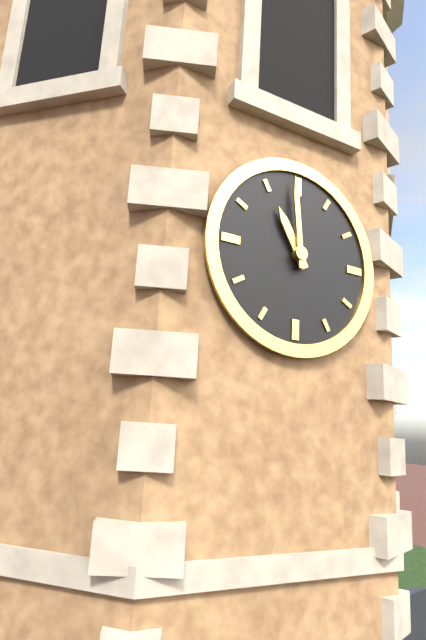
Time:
10:59
